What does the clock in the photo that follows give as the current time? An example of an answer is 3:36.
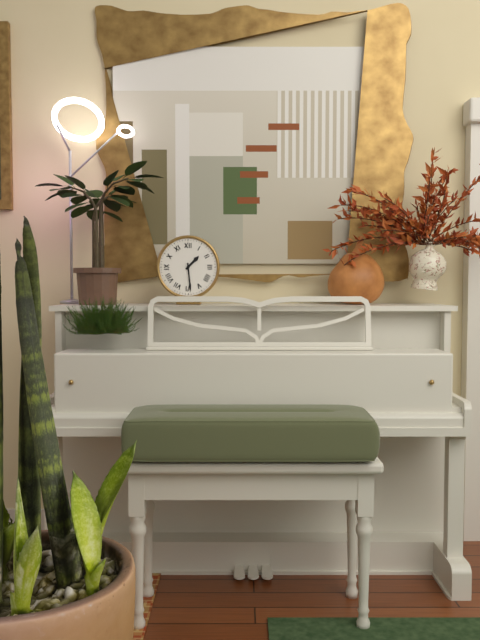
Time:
1:29
